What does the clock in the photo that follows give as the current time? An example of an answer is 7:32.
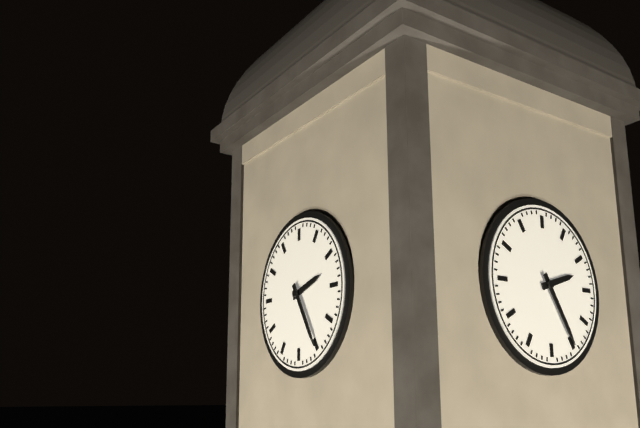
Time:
2:25
